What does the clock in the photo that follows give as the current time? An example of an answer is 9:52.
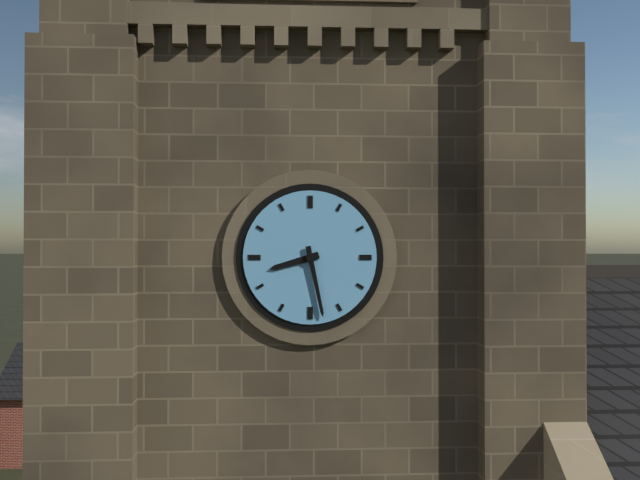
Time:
8:28
